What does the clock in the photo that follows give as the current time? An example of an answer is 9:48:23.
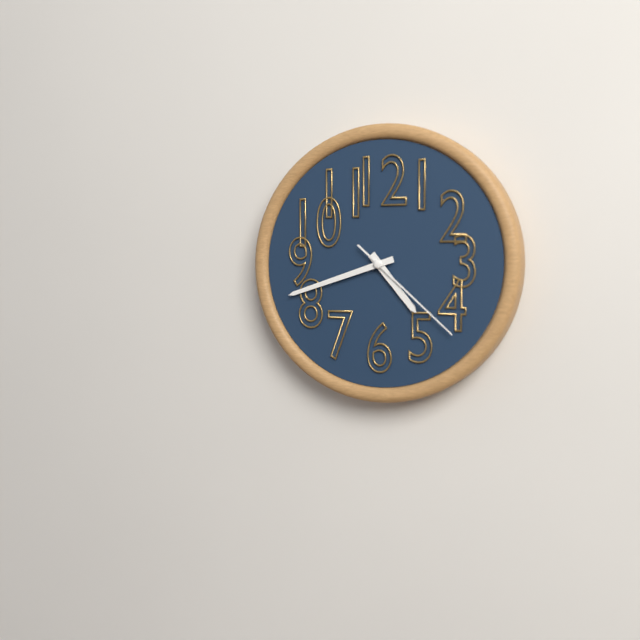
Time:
4:42:22
